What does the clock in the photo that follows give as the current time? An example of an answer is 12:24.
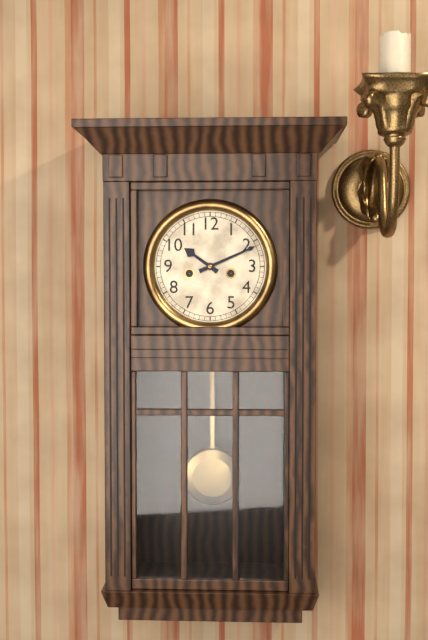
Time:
10:11
